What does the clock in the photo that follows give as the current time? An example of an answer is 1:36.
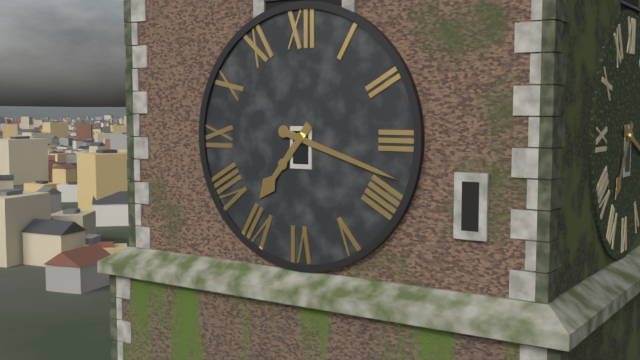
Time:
7:18
